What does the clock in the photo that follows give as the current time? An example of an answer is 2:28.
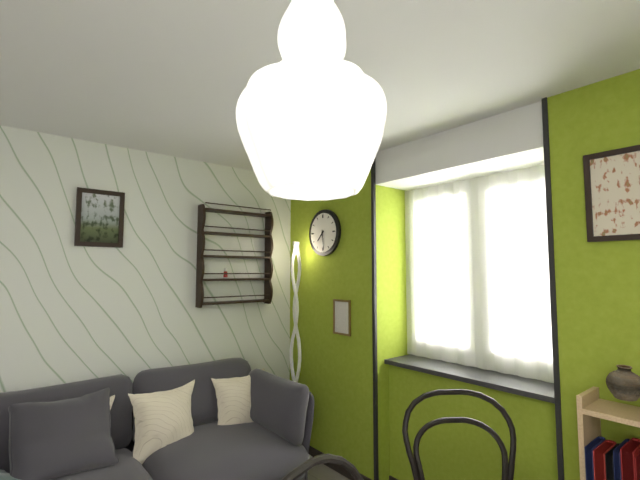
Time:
7:29
